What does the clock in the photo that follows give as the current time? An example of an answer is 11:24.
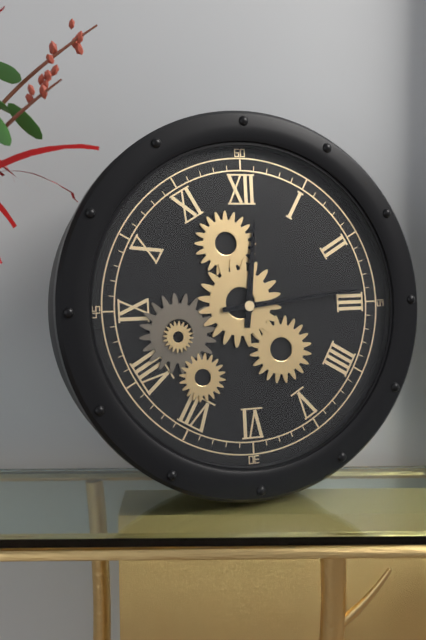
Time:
12:14
